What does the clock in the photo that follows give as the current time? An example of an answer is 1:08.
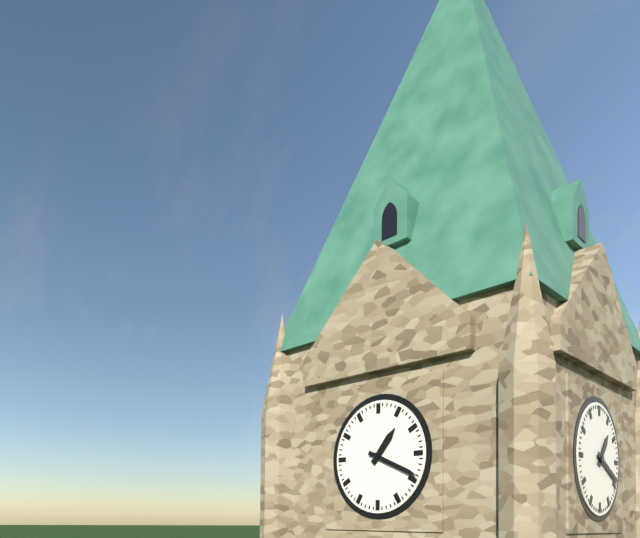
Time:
1:19
